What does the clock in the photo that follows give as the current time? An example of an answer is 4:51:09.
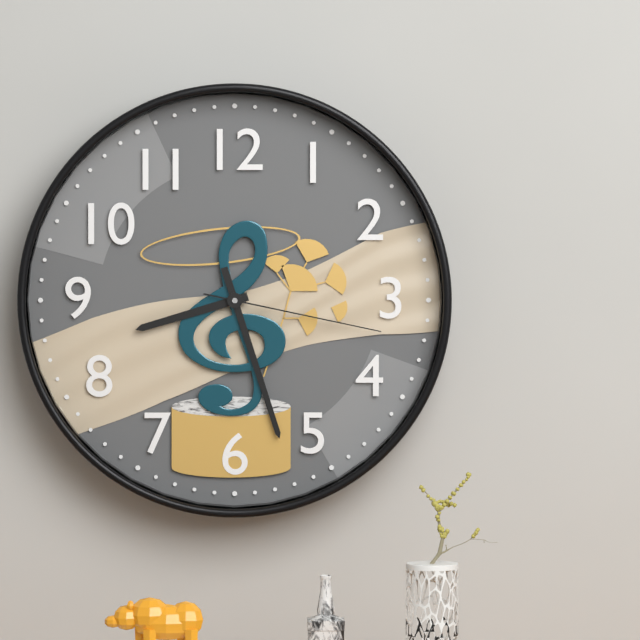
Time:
8:27:17
